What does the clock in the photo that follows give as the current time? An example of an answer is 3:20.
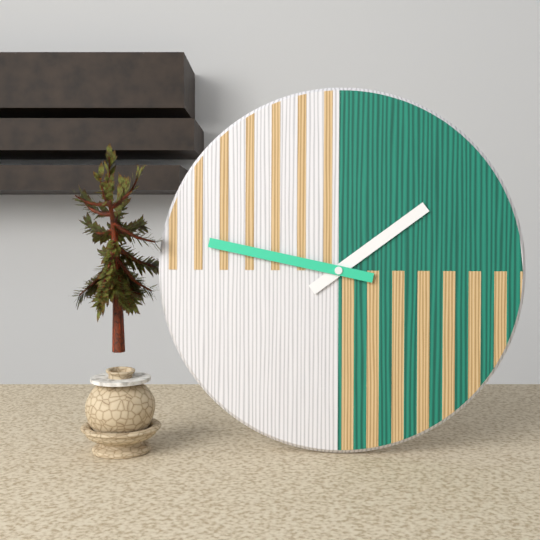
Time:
1:47
